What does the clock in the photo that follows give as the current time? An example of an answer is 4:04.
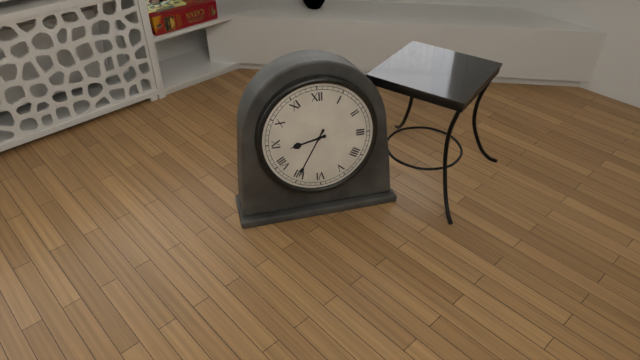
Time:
8:35
